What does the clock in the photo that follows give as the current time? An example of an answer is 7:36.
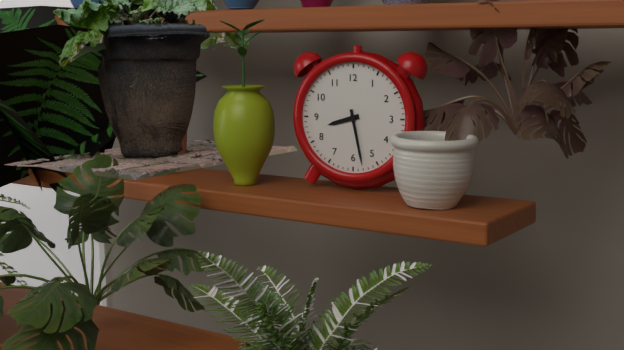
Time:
8:28
